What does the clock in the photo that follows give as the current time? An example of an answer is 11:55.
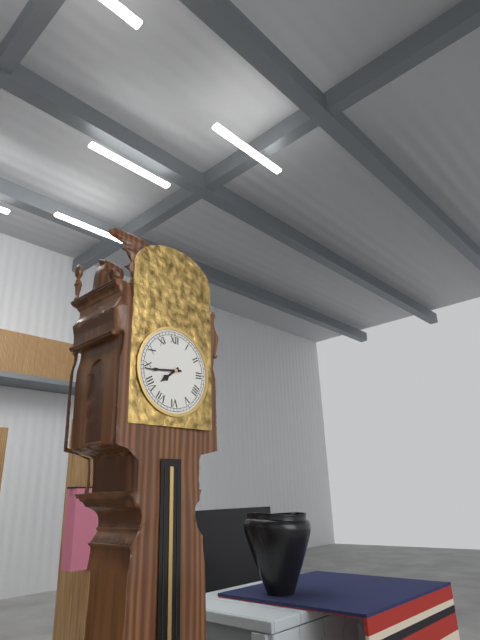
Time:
7:44
